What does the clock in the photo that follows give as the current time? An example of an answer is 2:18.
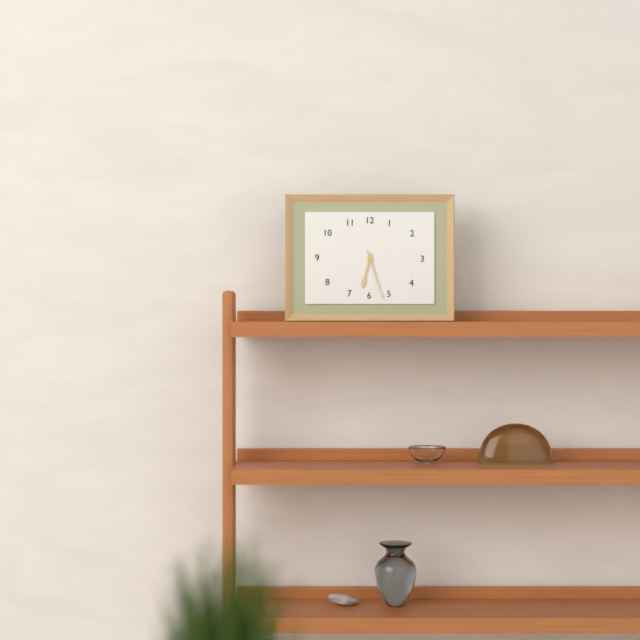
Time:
6:27
